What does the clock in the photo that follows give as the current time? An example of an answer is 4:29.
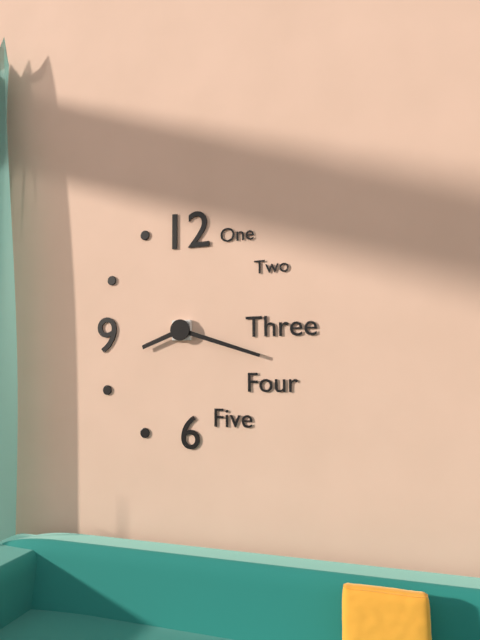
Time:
8:18
